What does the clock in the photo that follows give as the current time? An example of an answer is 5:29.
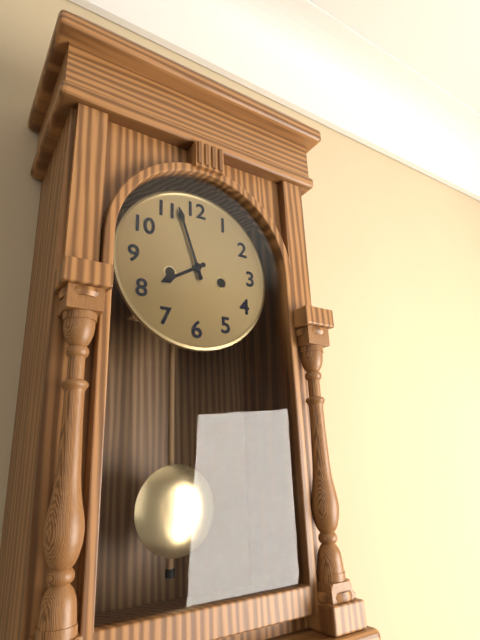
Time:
7:57
